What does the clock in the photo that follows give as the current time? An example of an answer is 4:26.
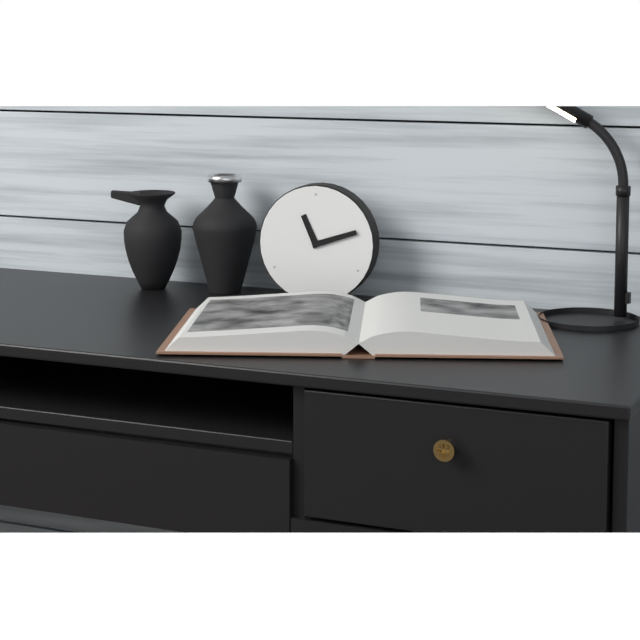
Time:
11:12
